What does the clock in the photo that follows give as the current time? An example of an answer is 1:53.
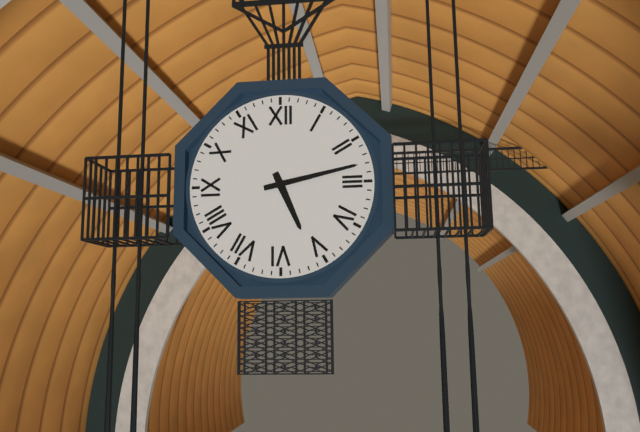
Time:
5:13
